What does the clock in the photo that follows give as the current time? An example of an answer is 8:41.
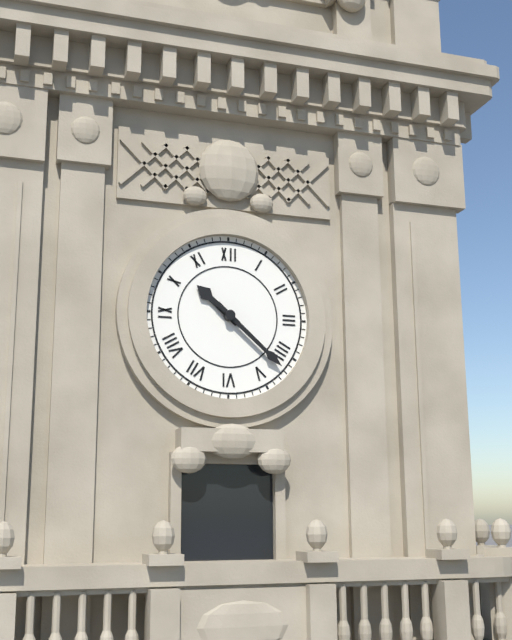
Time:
10:22
